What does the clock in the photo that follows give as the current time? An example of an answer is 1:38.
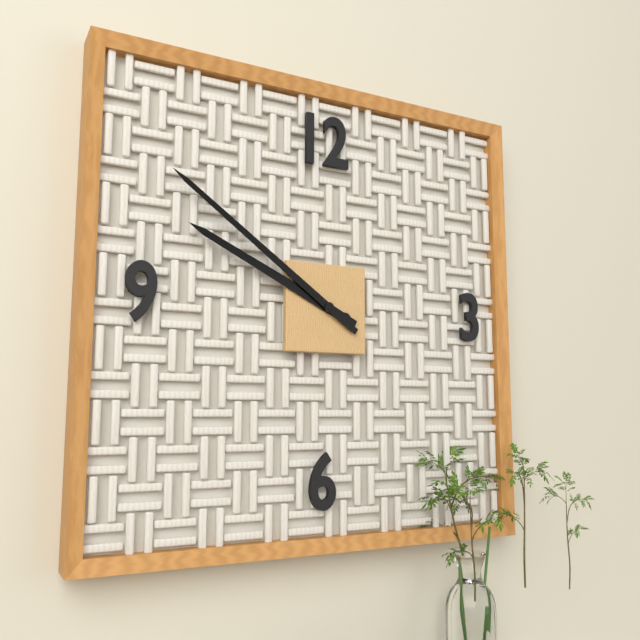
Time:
9:51
